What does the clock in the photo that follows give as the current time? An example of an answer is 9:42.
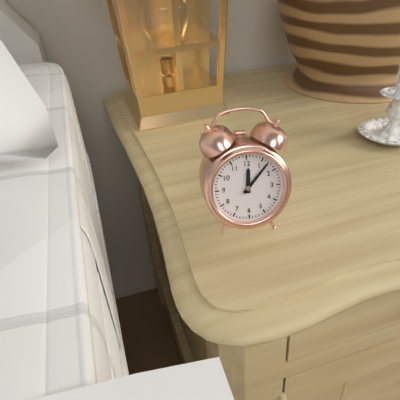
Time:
12:07
